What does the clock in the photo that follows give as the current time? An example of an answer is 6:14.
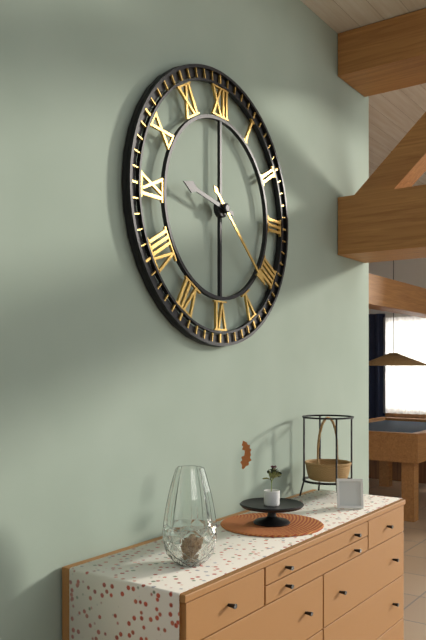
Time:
9:22
